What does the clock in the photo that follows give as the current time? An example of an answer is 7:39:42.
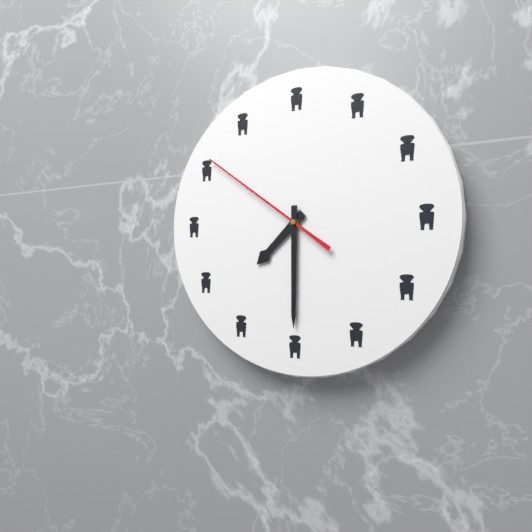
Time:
7:30:51
